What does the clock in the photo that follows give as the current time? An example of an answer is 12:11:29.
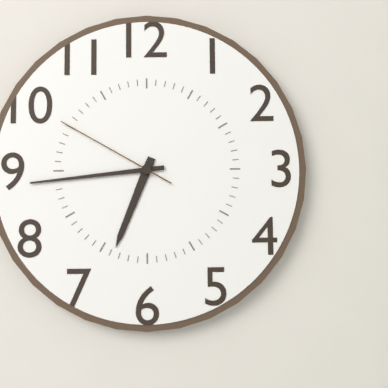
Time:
6:44:50
